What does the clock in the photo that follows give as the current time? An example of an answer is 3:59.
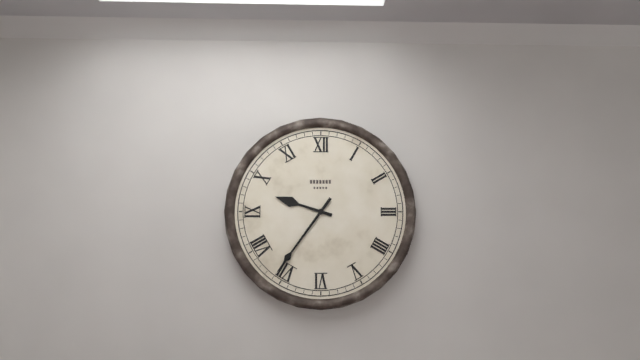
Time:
9:36
